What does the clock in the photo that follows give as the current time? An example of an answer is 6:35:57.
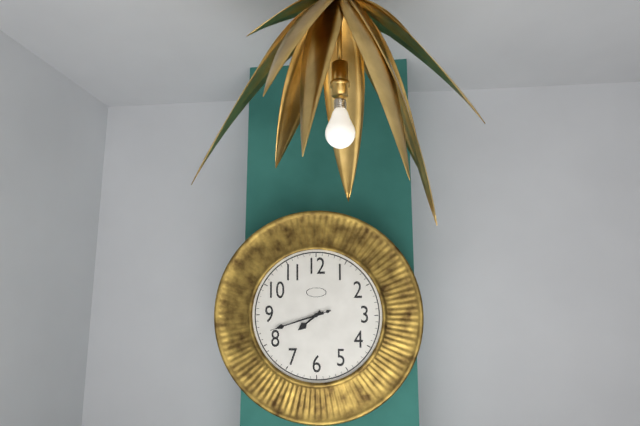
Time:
7:42:42
